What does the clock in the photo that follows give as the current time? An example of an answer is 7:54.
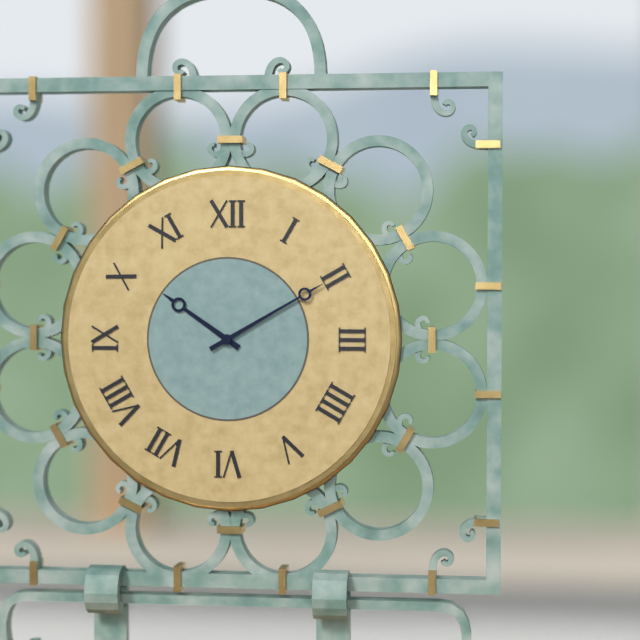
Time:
10:10
